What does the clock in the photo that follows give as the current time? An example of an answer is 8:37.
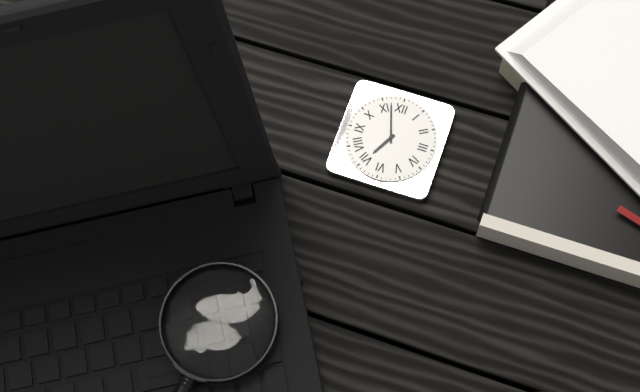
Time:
6:57
